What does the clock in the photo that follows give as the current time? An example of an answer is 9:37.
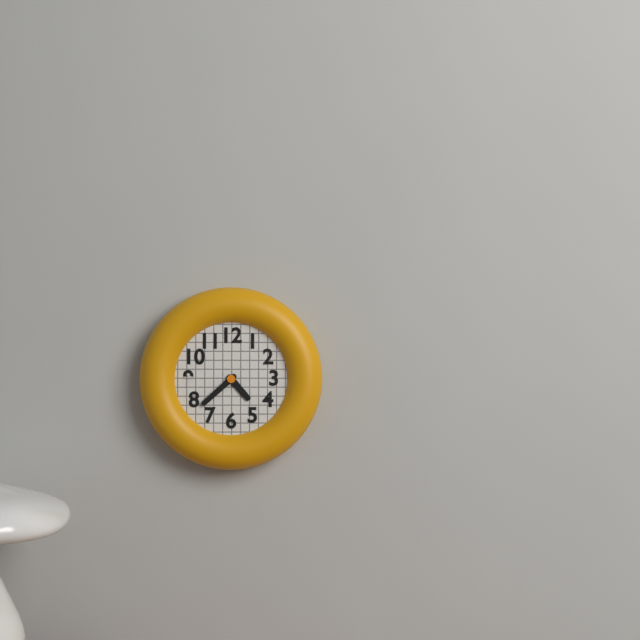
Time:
4:38
